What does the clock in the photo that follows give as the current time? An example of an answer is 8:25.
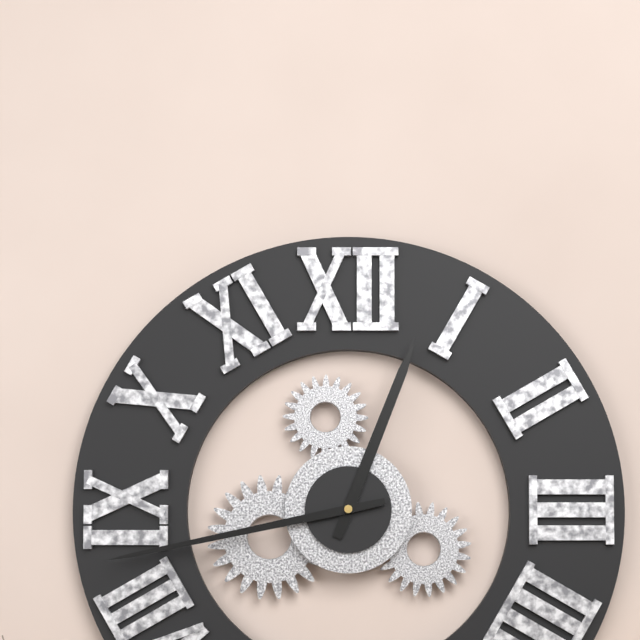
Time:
12:43
